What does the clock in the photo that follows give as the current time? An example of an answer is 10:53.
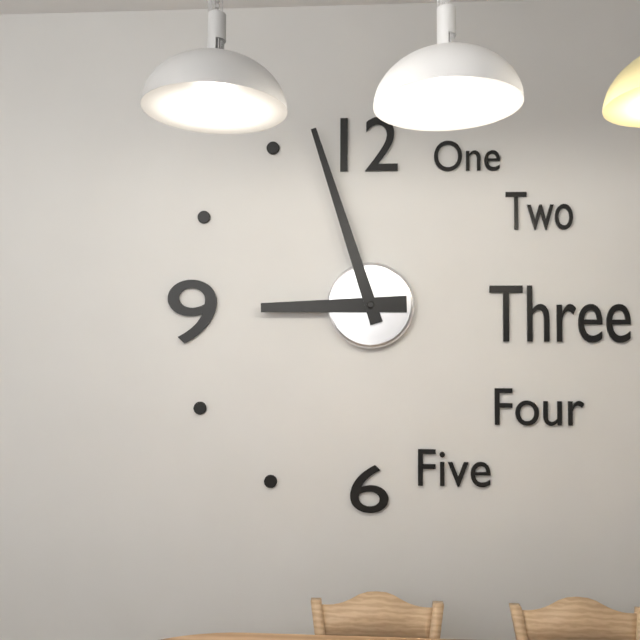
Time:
8:57
